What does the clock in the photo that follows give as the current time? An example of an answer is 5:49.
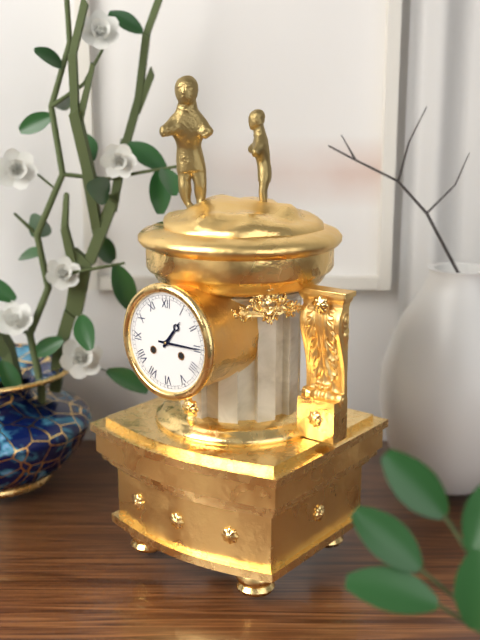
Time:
1:15
